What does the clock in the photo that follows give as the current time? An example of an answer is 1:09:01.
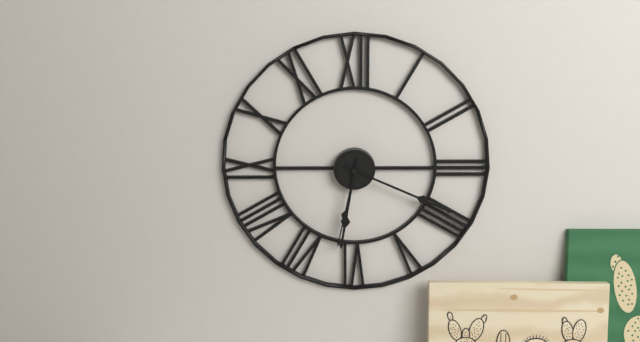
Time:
6:19:32
